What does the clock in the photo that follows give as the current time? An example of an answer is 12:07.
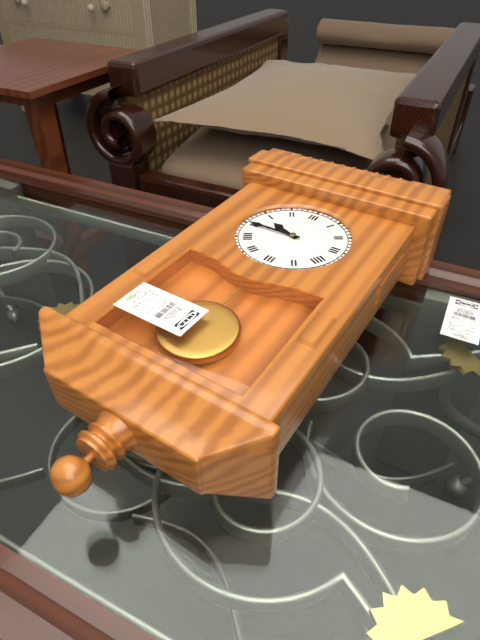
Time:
9:45
